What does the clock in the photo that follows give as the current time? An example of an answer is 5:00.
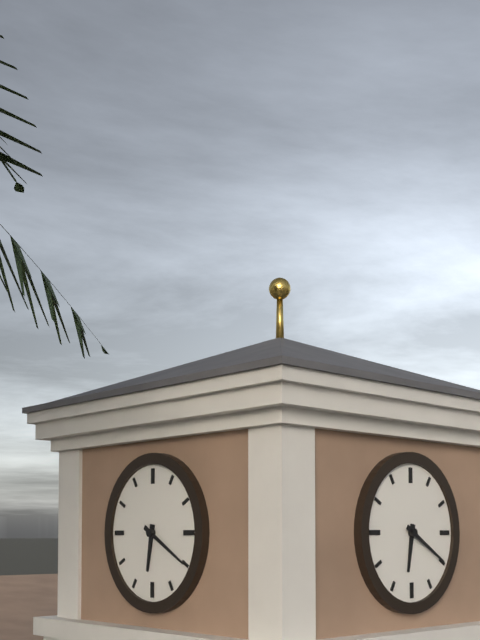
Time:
6:20
